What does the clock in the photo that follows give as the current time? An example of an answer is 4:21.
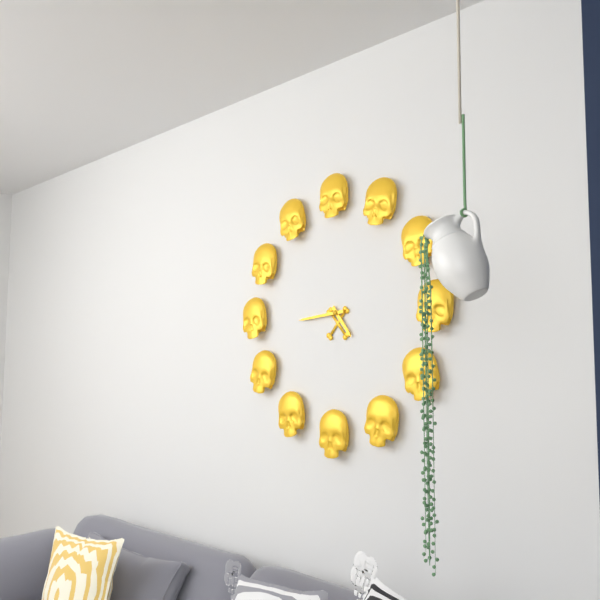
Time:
4:44
